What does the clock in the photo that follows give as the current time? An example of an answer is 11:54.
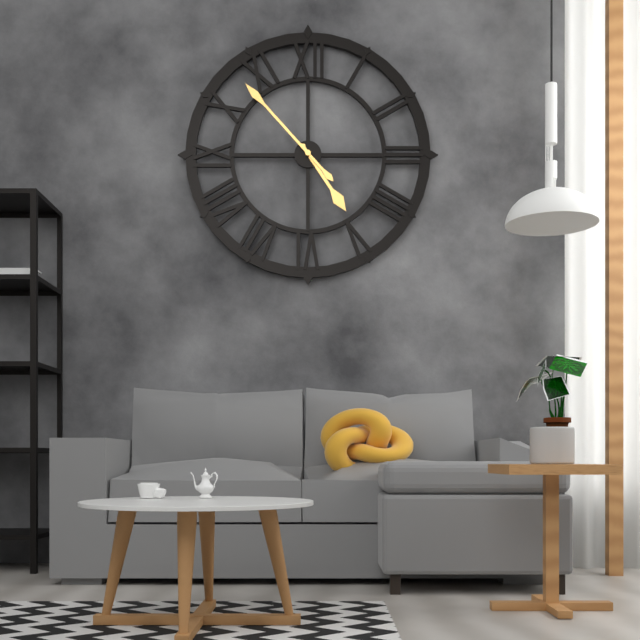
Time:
4:53
